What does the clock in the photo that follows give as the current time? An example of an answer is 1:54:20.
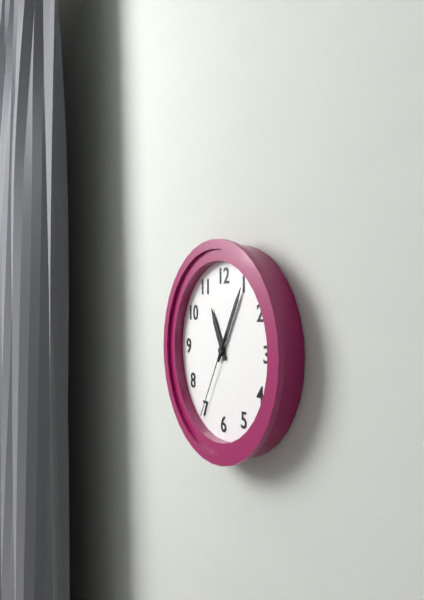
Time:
11:05:35
